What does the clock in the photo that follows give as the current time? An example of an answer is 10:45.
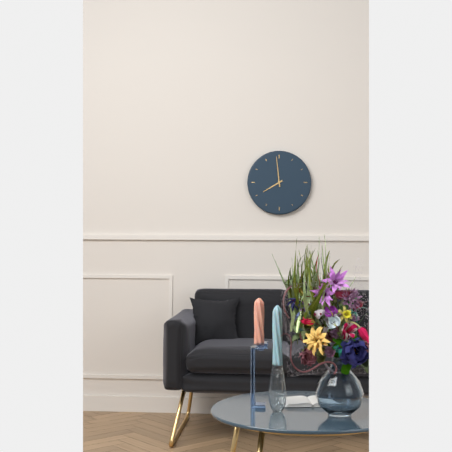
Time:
7:59
